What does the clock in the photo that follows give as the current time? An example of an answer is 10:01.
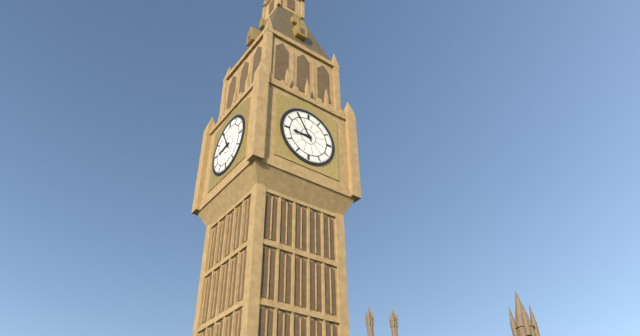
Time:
8:55
